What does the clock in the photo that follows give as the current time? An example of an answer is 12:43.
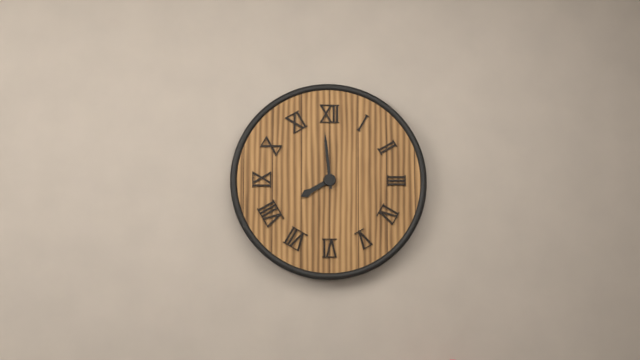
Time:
7:59
